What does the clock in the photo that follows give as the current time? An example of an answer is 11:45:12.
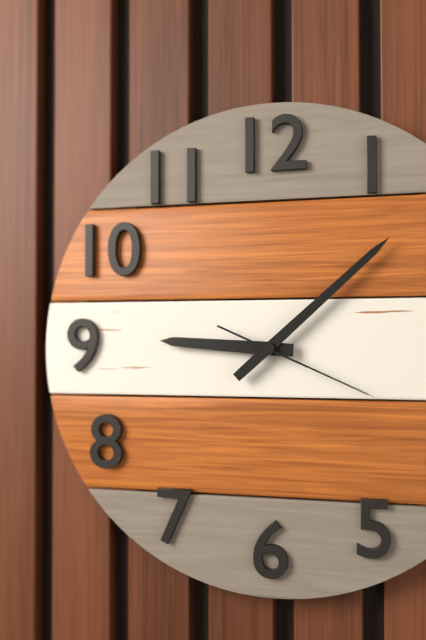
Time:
9:08:19
